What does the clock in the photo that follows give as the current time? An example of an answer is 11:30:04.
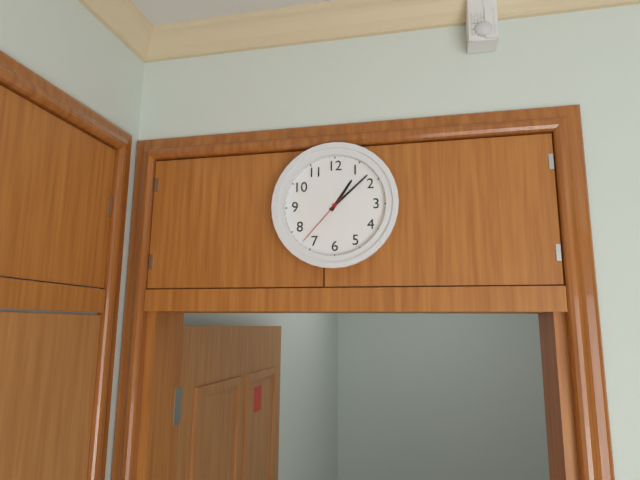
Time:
1:08:37
